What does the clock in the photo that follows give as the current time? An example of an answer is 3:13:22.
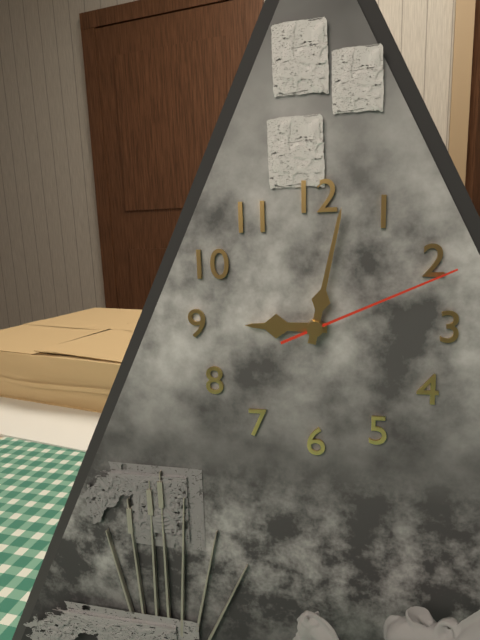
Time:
9:02:11
